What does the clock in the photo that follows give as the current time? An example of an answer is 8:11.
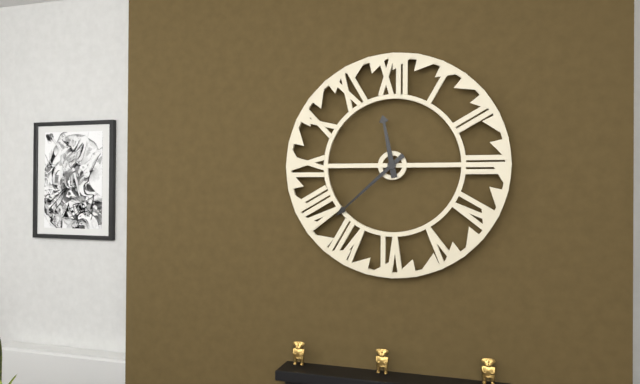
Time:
11:38
